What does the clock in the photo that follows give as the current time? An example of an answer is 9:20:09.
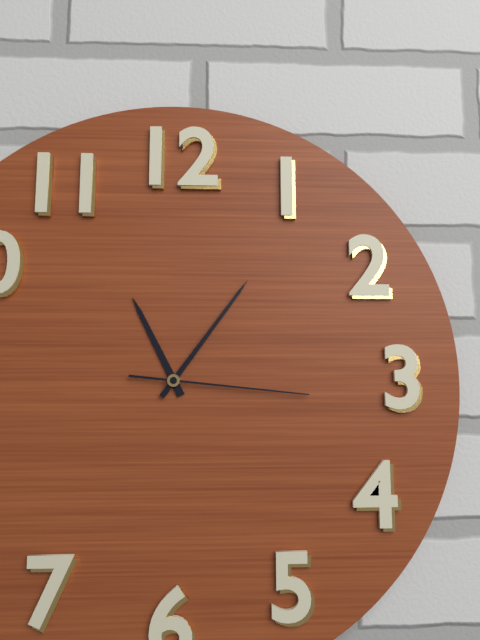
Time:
11:06:16
